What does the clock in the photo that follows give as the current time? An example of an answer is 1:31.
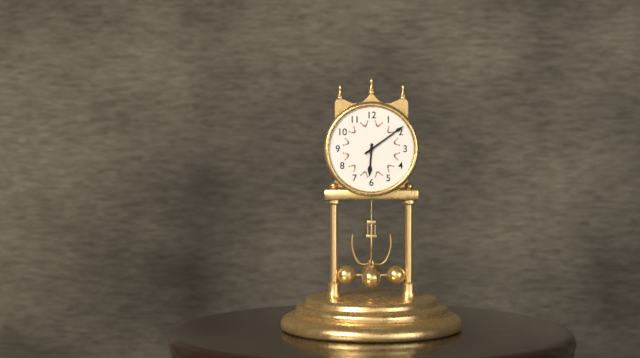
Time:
6:09
